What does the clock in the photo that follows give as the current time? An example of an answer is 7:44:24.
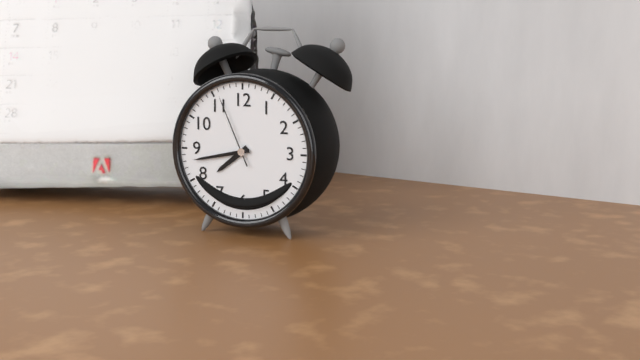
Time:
7:43:56
